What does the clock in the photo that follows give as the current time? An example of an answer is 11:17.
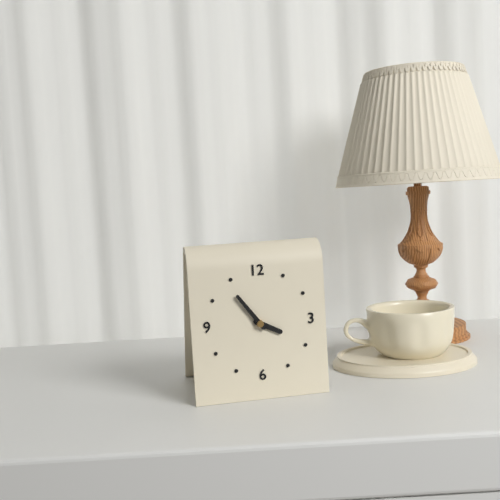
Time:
3:54
